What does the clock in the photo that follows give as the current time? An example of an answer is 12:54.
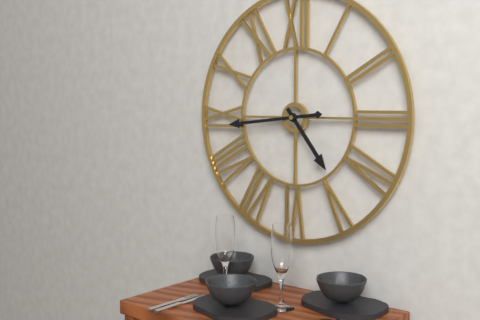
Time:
4:44
